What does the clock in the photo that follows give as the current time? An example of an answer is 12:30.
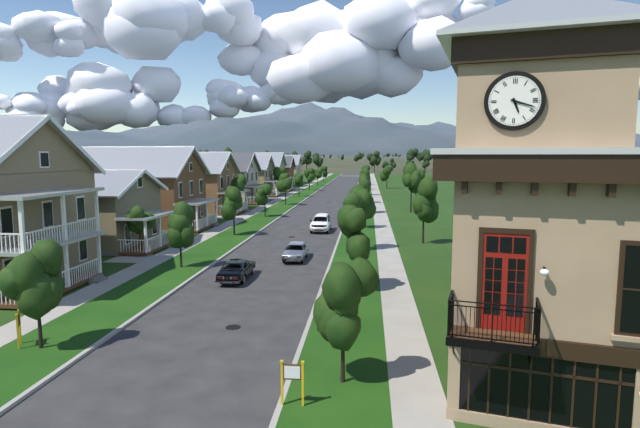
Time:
5:18
